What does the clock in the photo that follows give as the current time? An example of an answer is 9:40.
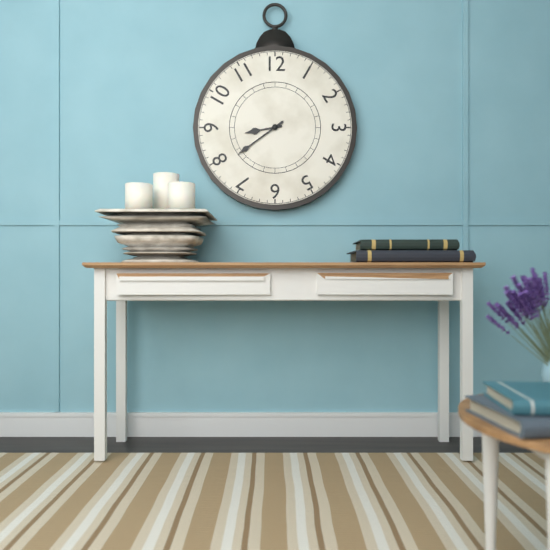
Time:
8:39
